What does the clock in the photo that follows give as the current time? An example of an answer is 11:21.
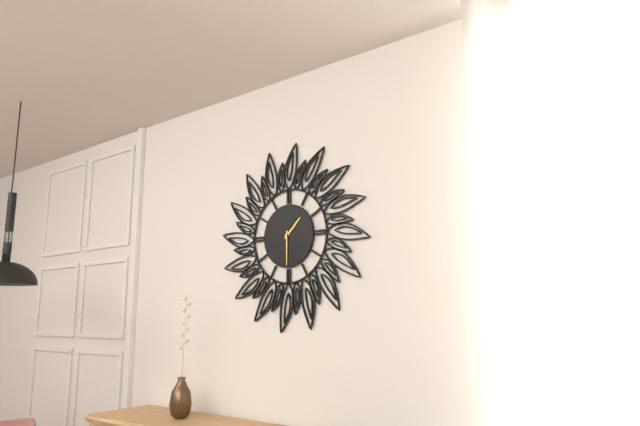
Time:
1:30
